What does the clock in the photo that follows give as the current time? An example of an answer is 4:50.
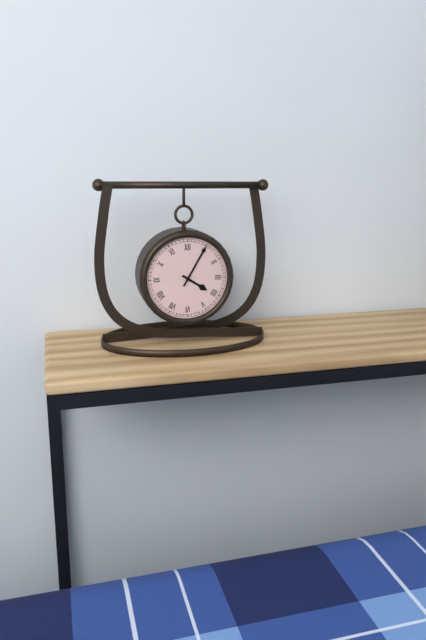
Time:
4:05
